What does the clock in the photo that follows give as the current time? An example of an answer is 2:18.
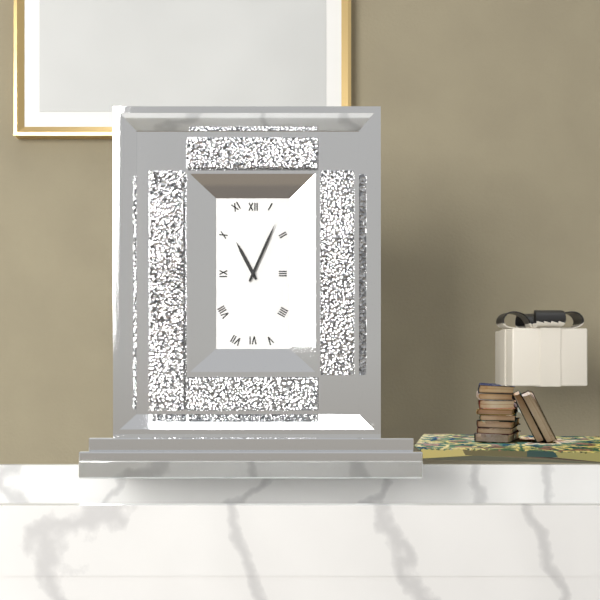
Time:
11:04
